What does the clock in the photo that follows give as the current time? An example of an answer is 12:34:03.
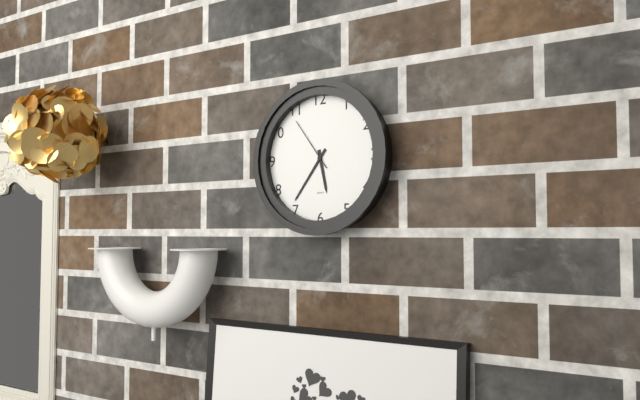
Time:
5:36:54
